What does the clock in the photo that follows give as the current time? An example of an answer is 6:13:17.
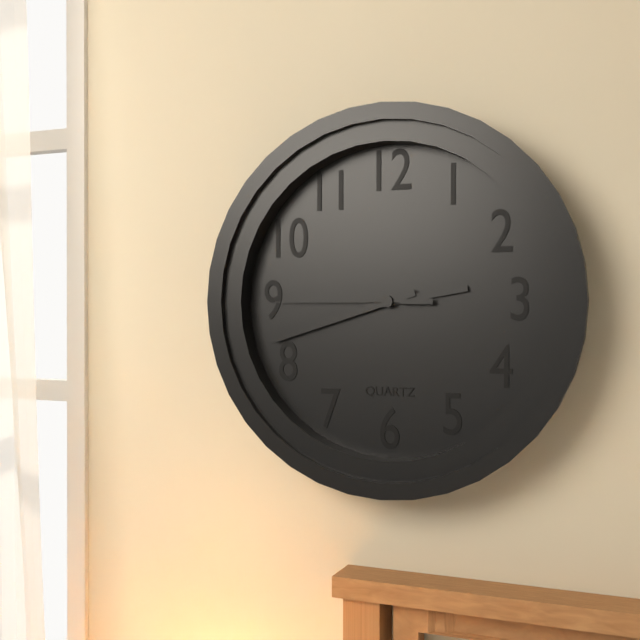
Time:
2:42:45
